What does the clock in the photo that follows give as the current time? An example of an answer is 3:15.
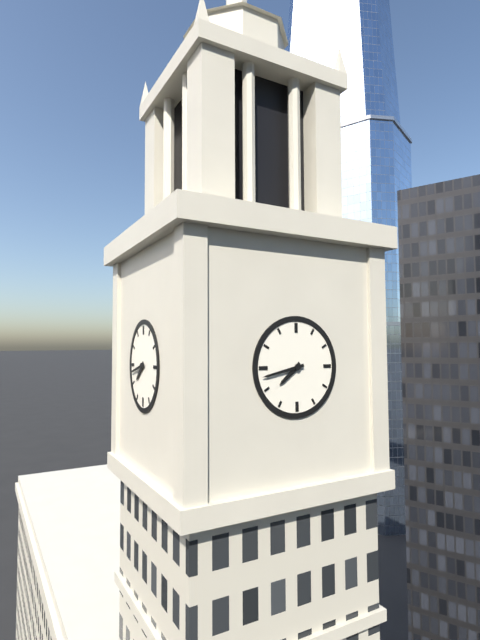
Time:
7:43
